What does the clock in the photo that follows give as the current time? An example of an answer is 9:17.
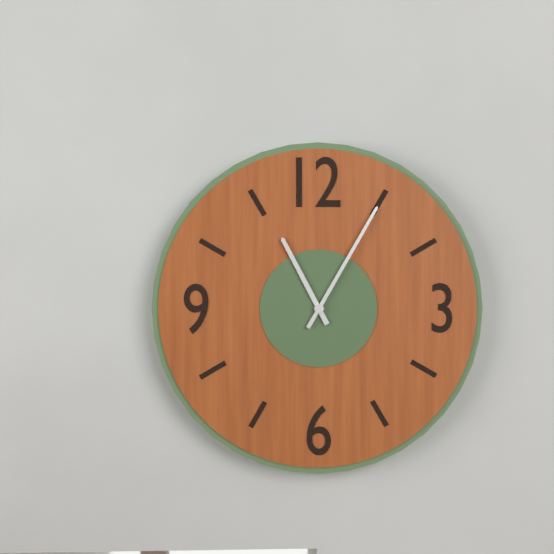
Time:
11:05
